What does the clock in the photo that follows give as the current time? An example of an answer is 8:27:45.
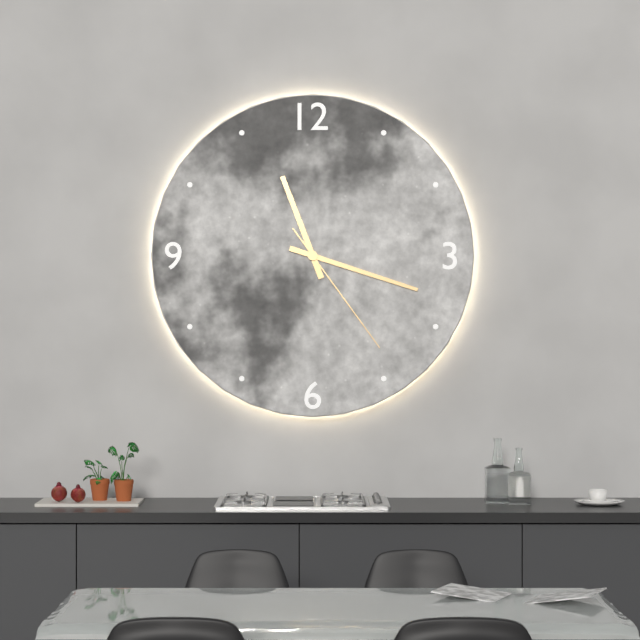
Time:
11:18:24
